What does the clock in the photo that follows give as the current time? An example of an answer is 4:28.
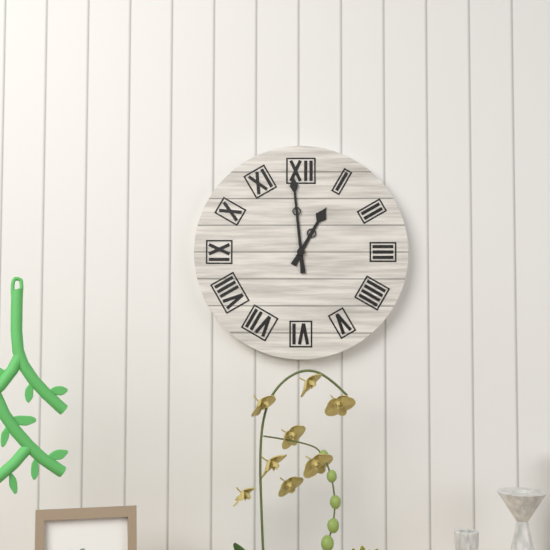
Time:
12:59
